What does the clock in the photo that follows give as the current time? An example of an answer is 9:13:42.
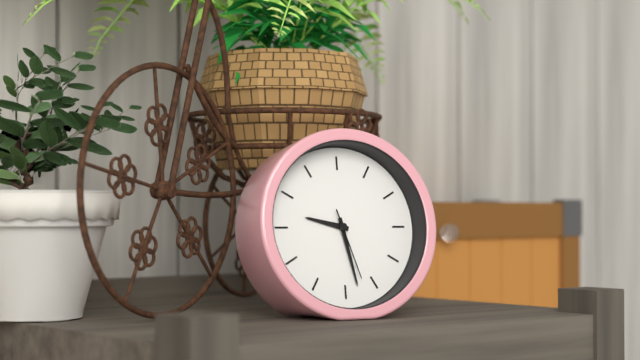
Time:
9:28:27
